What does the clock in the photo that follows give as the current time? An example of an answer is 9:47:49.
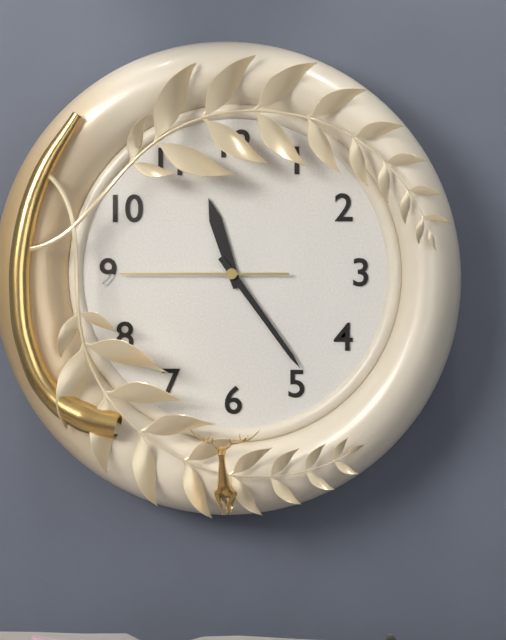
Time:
11:24:45
